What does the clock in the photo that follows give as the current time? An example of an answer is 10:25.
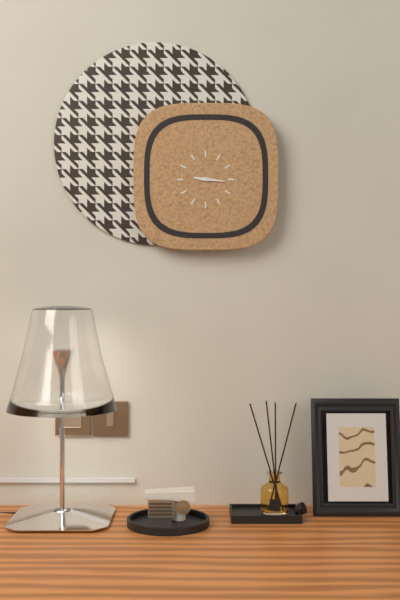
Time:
9:16
